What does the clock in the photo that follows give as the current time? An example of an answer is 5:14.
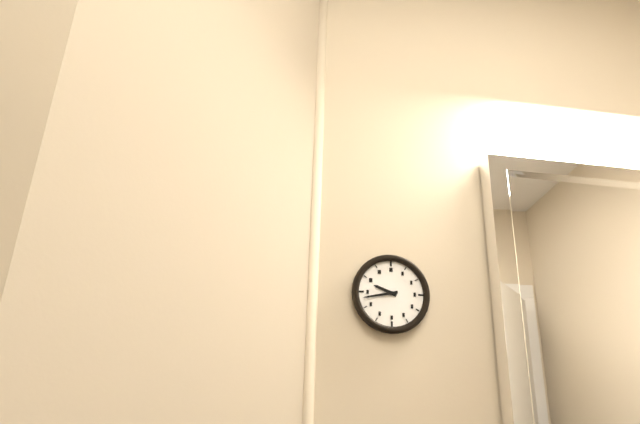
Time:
9:43
